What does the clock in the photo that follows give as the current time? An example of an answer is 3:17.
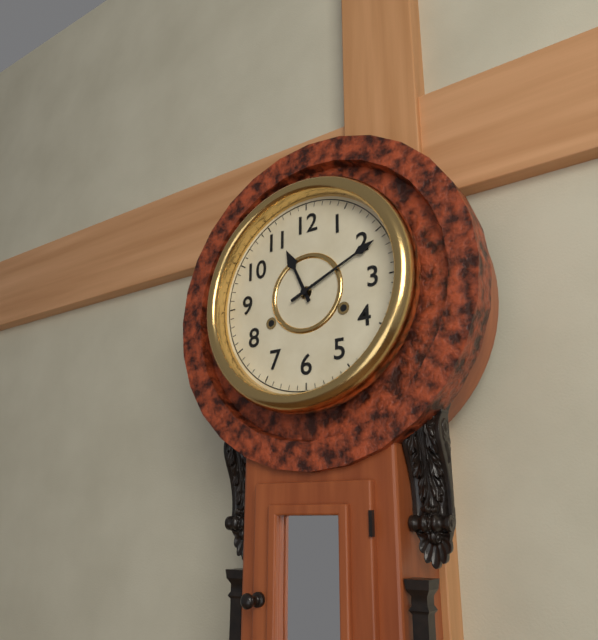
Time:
11:11
